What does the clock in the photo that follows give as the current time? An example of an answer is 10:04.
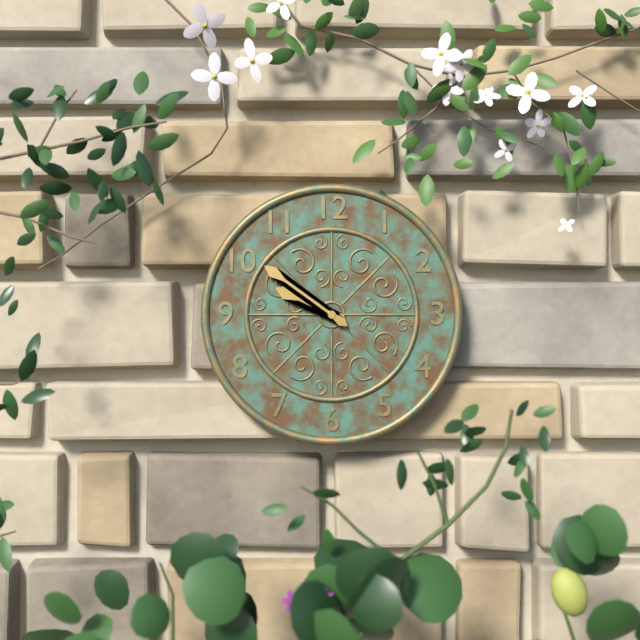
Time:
9:51
